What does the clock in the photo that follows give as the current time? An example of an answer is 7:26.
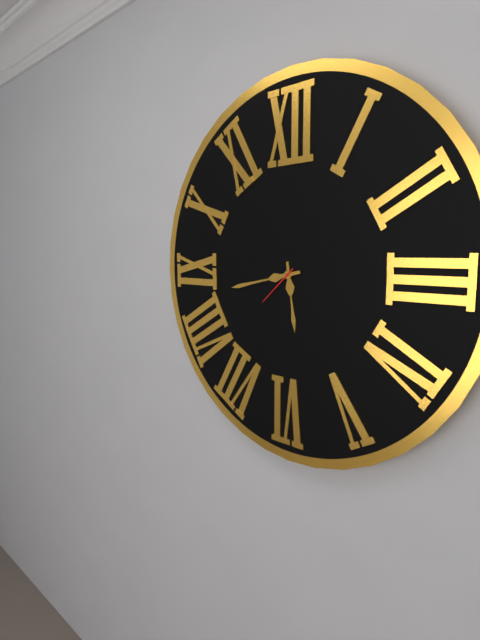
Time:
5:43
